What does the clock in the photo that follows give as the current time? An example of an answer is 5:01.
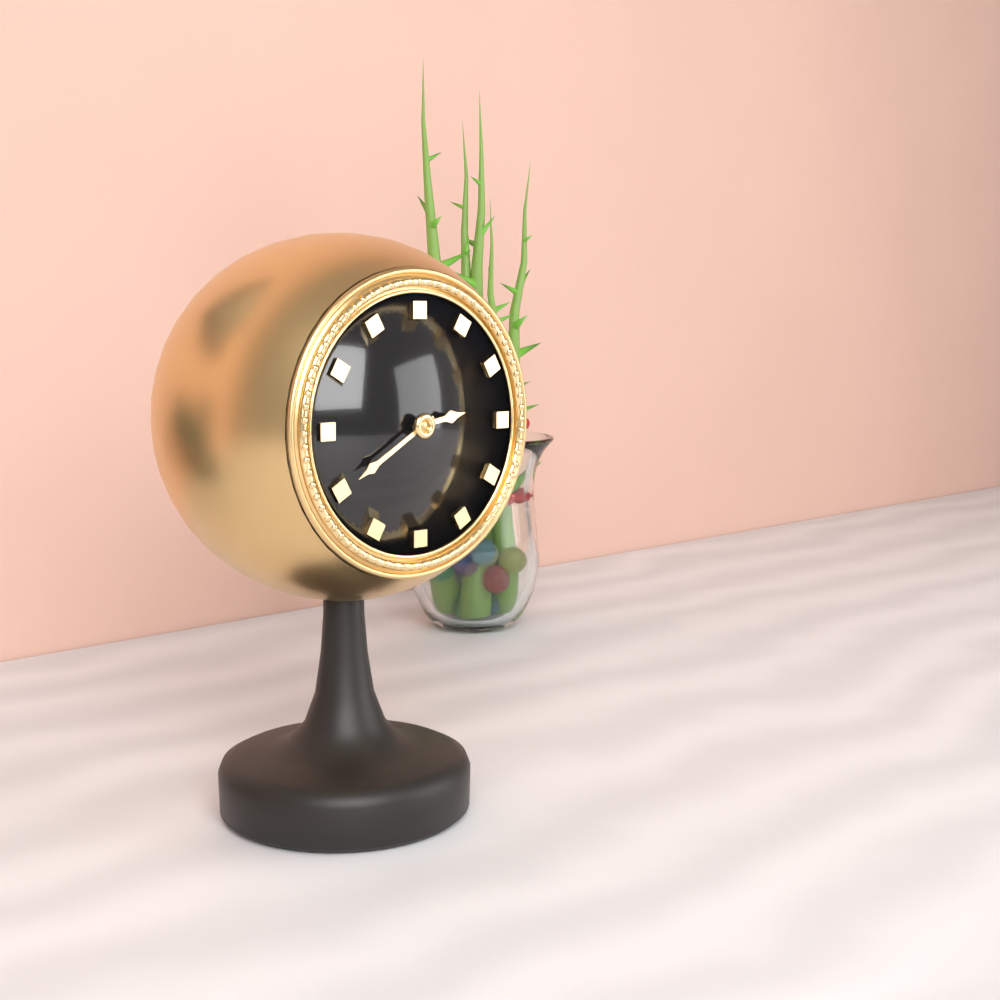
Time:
2:40
